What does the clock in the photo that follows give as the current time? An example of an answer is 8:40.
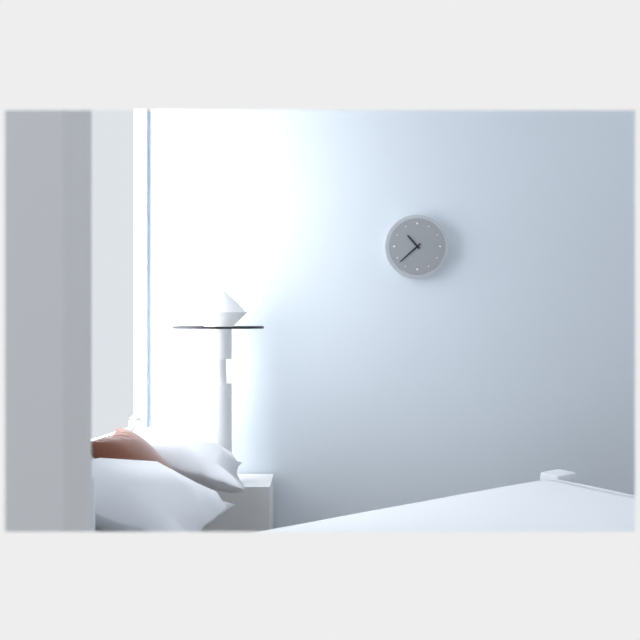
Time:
10:38
